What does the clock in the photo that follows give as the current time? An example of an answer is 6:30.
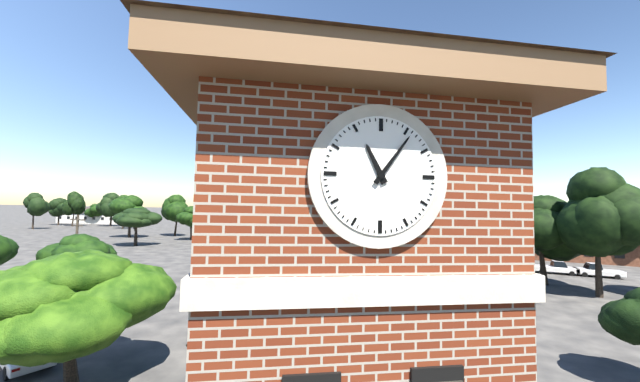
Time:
11:06
